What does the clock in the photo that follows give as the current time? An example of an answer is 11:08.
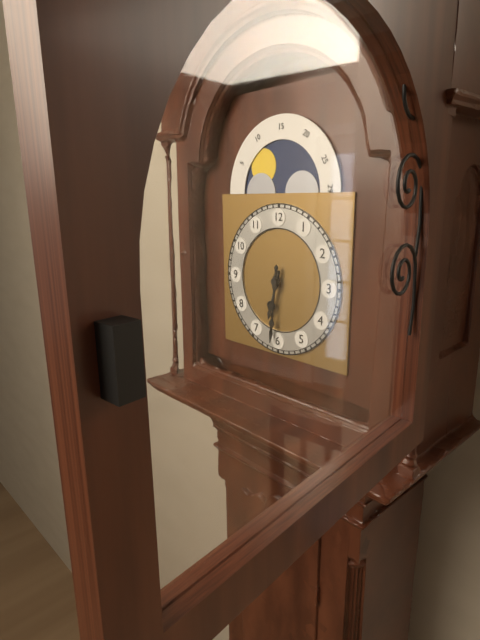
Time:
6:31
